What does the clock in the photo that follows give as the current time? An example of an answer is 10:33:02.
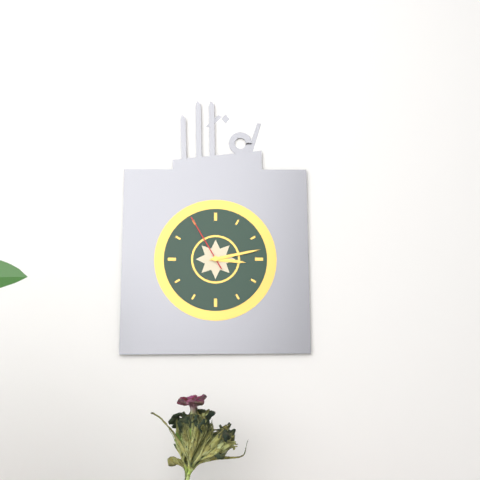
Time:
3:13:55
